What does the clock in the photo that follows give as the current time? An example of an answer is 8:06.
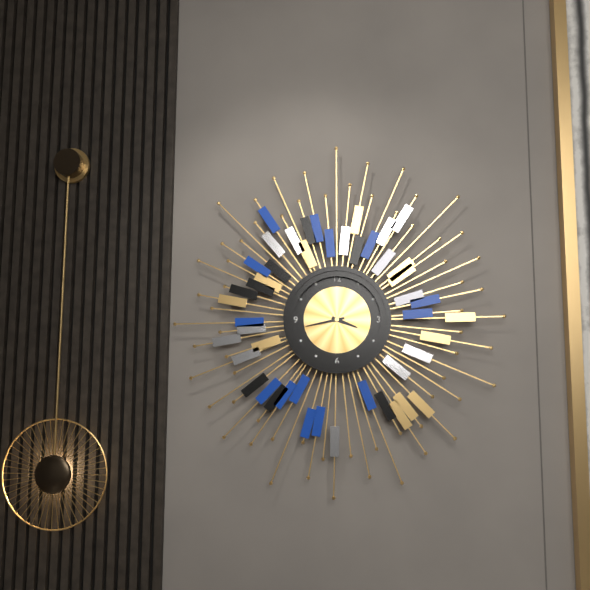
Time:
3:43
